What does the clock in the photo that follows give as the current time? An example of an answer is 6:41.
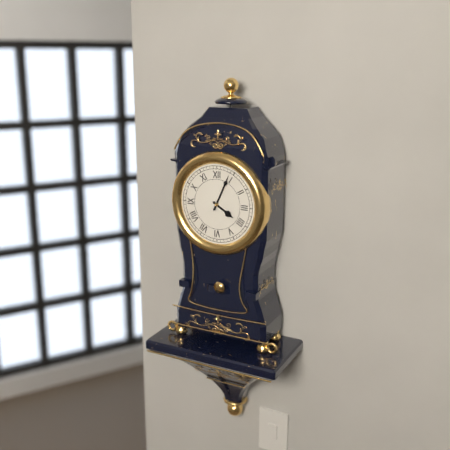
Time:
4:04
